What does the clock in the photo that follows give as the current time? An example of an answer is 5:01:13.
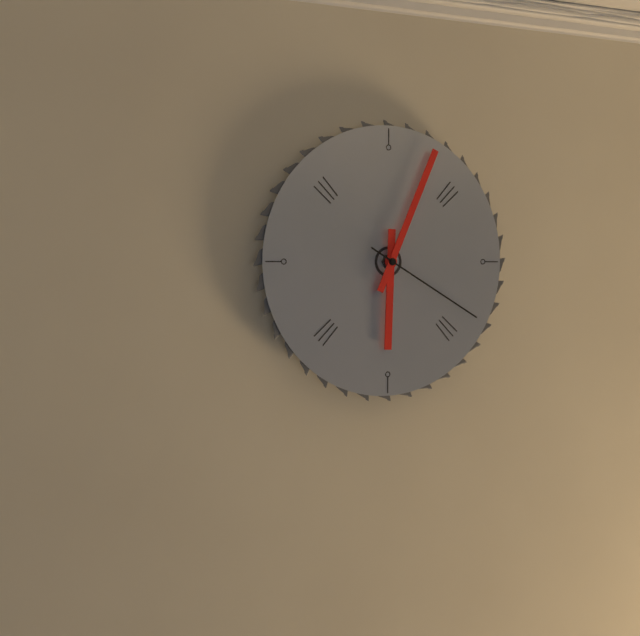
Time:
6:04:20
